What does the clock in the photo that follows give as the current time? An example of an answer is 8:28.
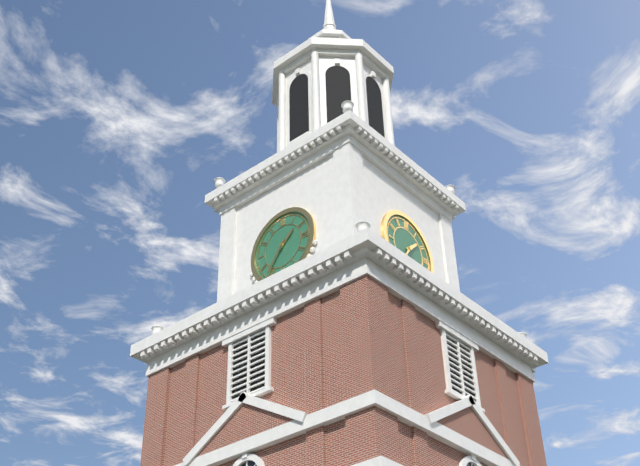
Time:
1:36
